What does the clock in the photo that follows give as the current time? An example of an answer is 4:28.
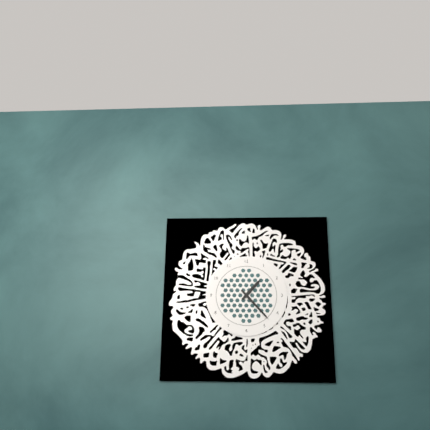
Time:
1:23
